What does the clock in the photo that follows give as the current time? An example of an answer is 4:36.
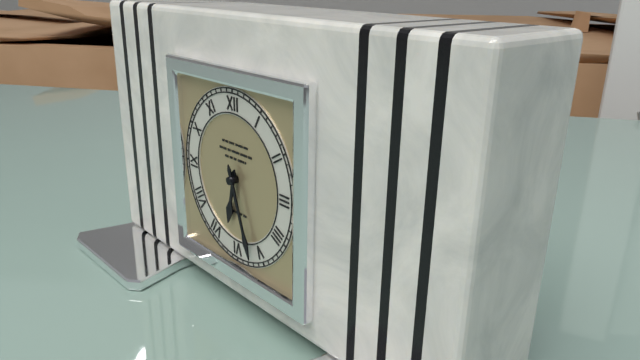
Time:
6:27
